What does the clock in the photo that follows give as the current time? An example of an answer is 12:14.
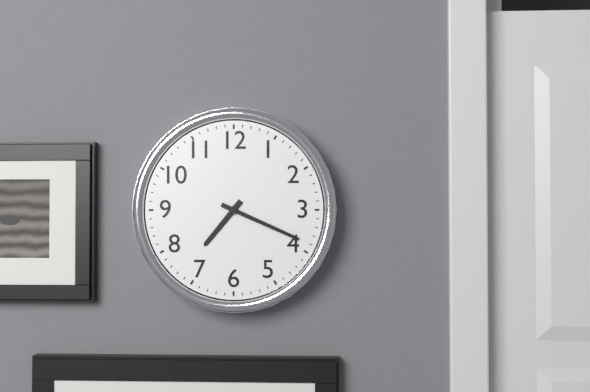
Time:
7:19
